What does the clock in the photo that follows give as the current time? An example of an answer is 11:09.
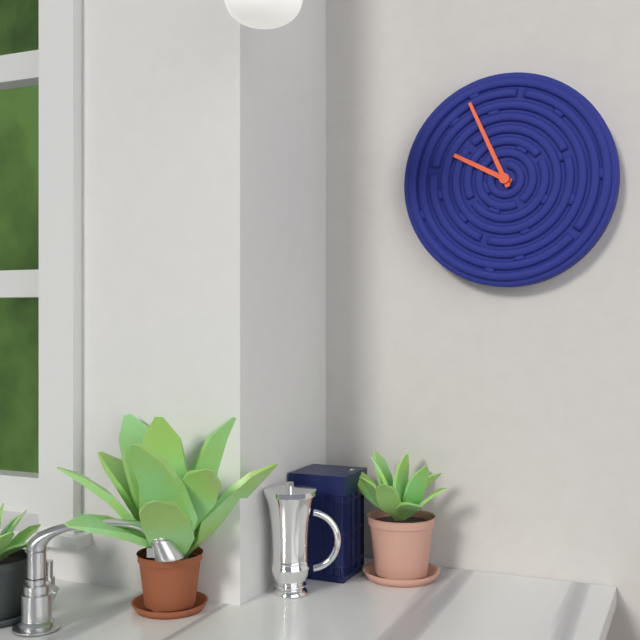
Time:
9:56
